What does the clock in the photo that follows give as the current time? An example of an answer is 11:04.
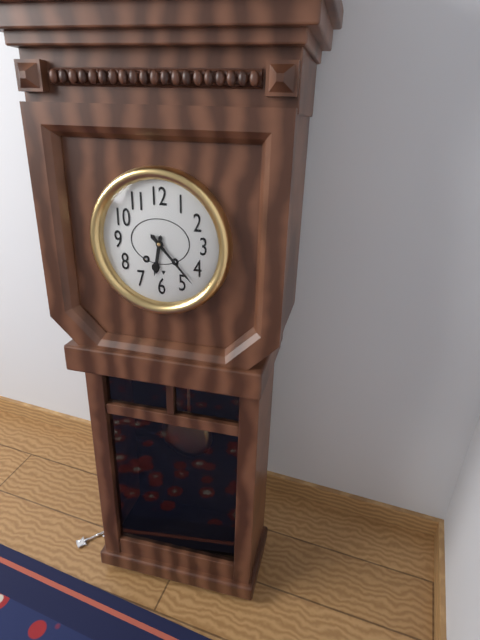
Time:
6:23
